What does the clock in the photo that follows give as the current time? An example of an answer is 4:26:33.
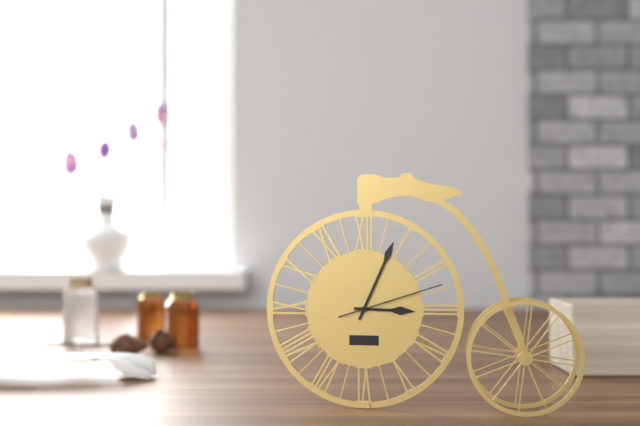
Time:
3:04:12
